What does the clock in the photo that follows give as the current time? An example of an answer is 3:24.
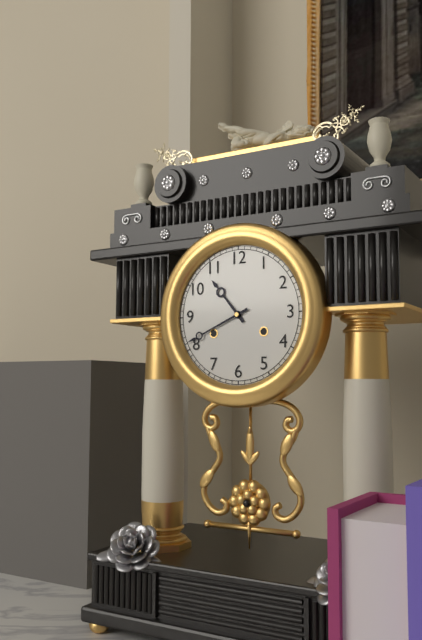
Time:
10:41
